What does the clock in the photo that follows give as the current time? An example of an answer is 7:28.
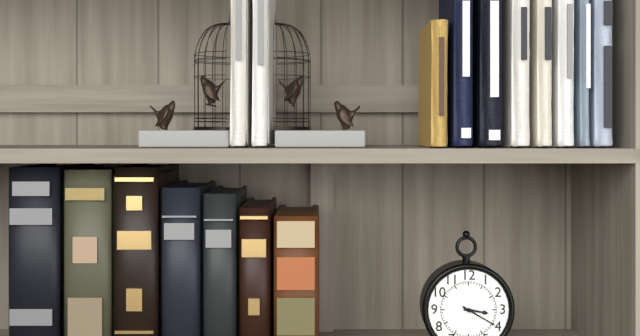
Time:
3:20
